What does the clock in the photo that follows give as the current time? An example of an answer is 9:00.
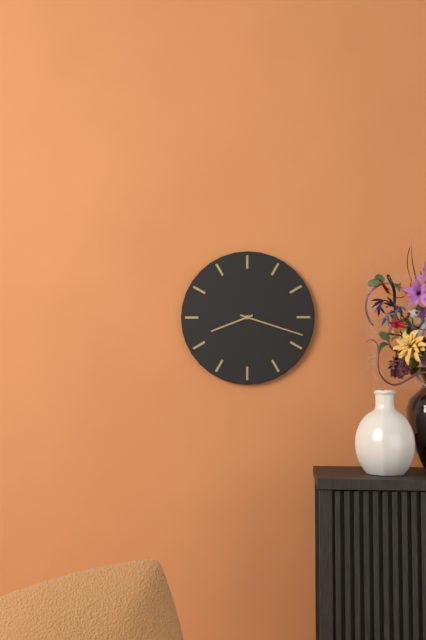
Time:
8:18
